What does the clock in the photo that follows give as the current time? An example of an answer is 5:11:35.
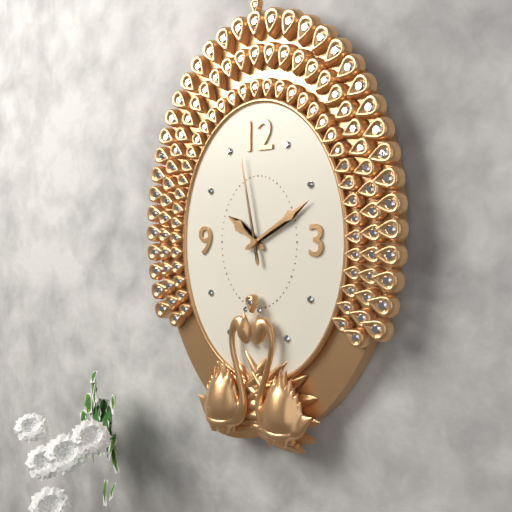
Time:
10:10:58
